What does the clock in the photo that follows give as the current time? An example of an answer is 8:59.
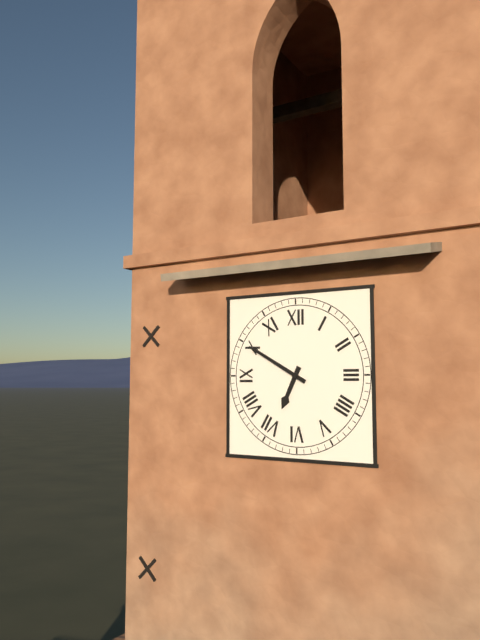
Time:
6:50
